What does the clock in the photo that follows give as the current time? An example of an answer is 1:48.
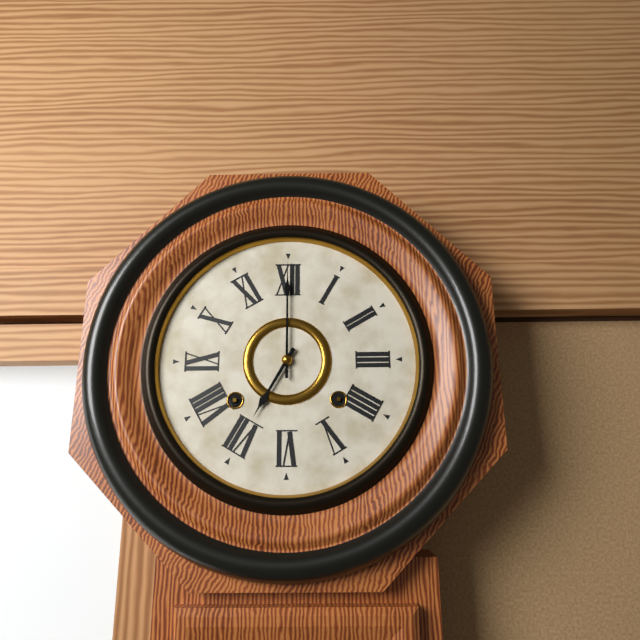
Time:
7:00
